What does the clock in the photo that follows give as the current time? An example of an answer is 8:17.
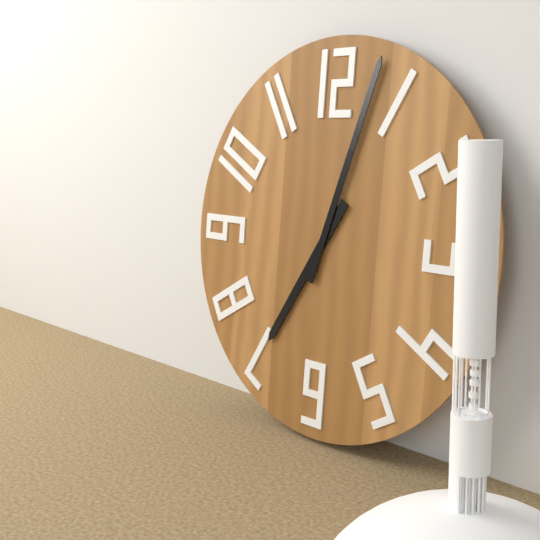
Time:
7:03
